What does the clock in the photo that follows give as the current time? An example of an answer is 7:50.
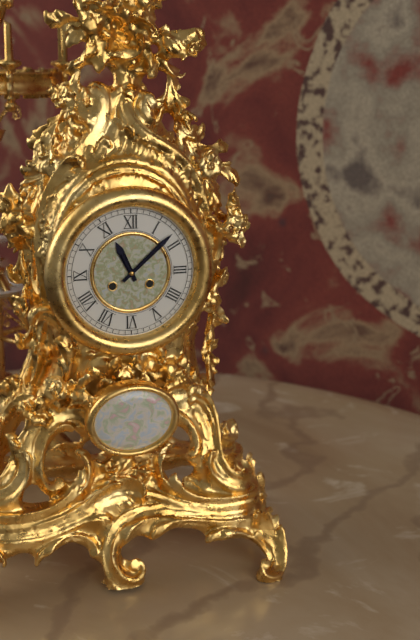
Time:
11:08
